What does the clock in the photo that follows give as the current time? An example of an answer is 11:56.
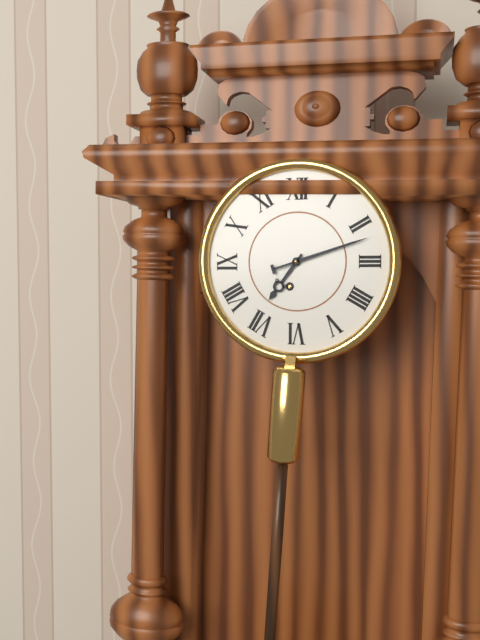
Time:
7:12
